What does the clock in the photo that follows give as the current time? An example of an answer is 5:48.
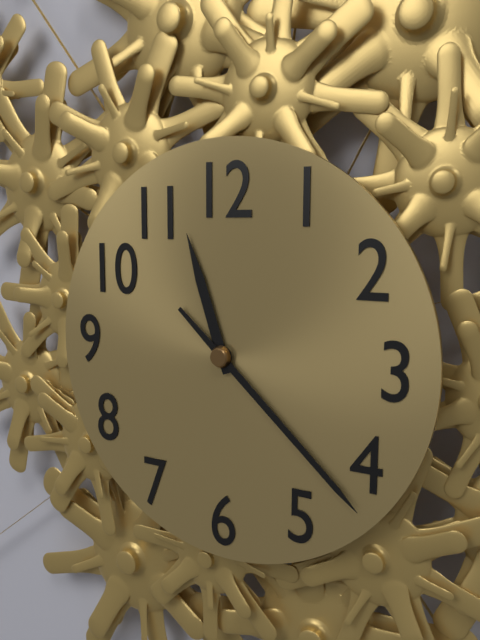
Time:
11:22
